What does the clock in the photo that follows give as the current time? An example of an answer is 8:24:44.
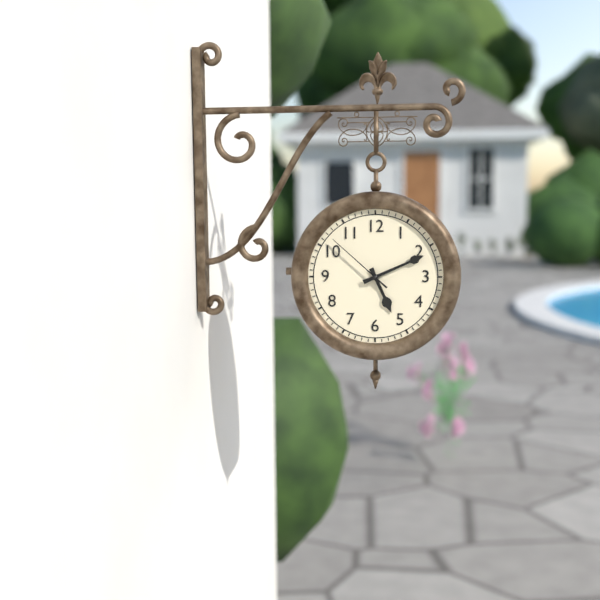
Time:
5:11:52
